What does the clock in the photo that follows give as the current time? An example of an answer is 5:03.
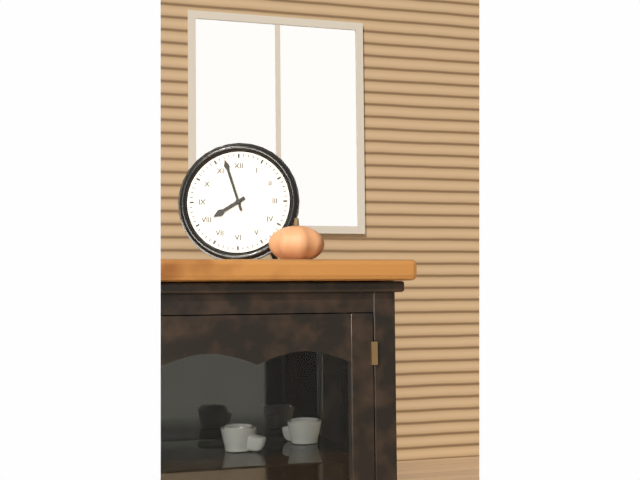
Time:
7:57
